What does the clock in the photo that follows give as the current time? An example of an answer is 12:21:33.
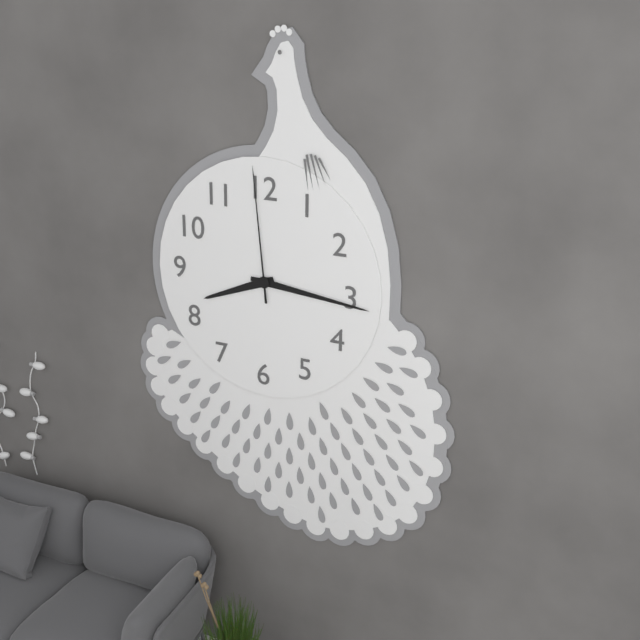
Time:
8:16:59
